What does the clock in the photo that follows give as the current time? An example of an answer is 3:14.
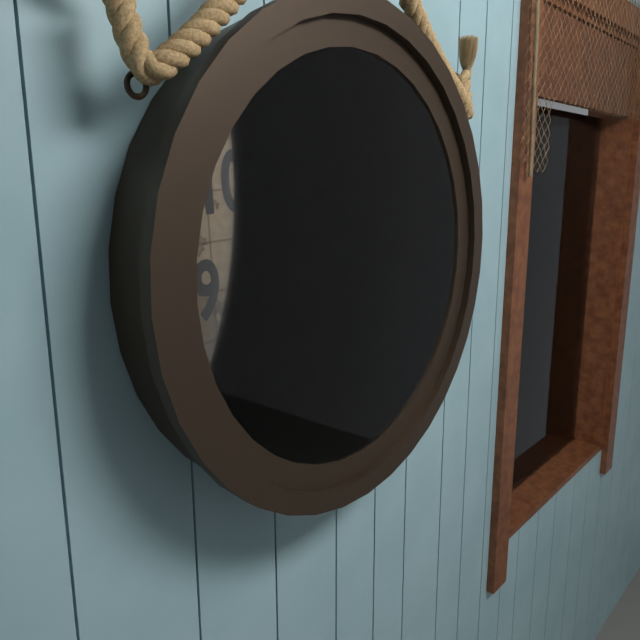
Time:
8:57
